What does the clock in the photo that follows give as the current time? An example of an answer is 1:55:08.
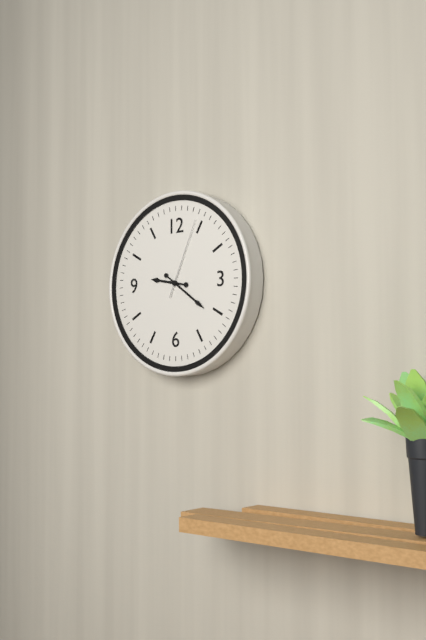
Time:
9:21:04
